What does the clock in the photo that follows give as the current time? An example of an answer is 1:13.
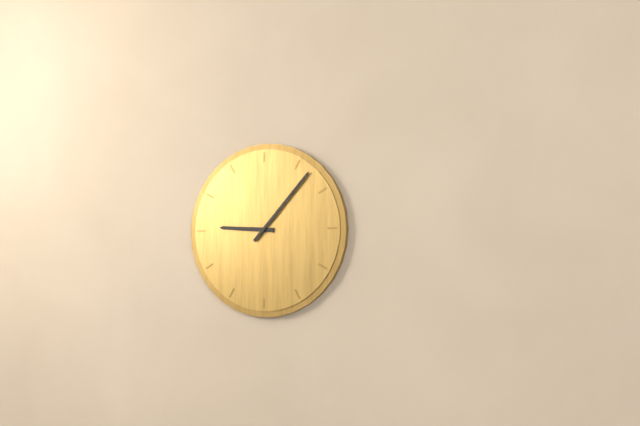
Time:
9:07
